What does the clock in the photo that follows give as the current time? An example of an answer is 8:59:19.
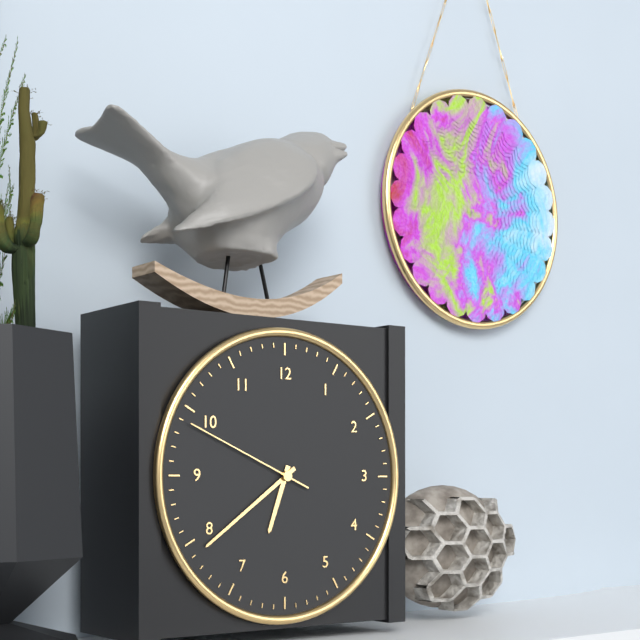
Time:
6:39:49
